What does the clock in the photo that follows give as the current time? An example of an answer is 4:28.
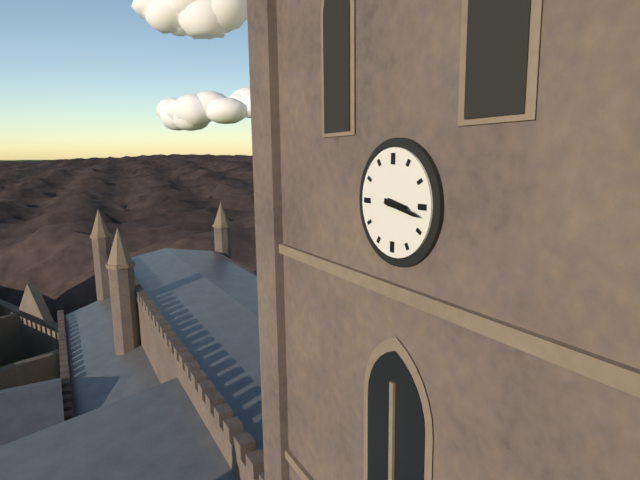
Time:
3:17
